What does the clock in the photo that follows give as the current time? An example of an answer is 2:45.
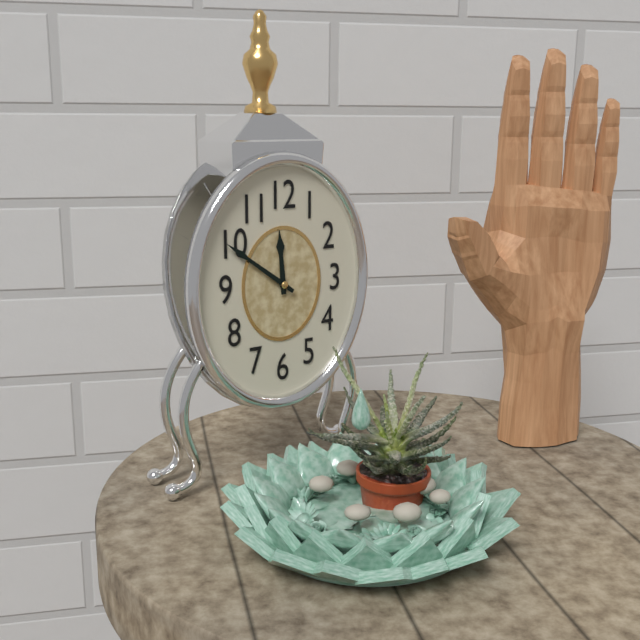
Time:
11:51
